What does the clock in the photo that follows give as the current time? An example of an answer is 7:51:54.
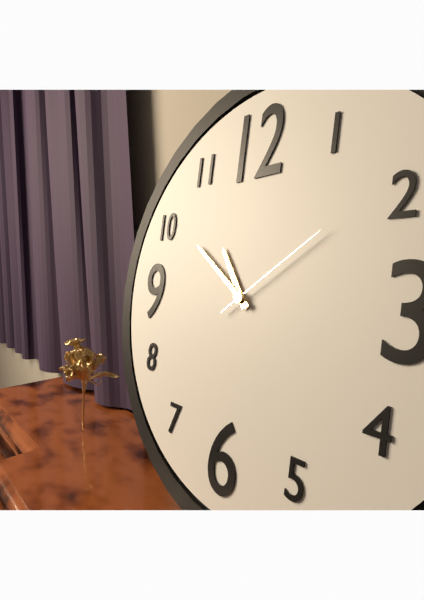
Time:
10:51:09
